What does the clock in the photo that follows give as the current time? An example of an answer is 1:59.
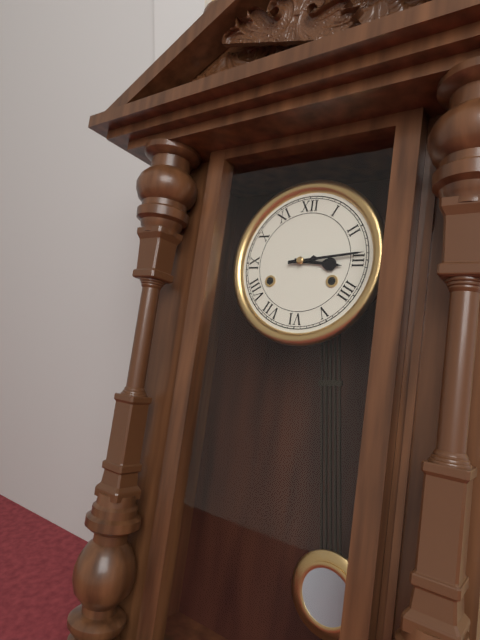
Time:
3:14
